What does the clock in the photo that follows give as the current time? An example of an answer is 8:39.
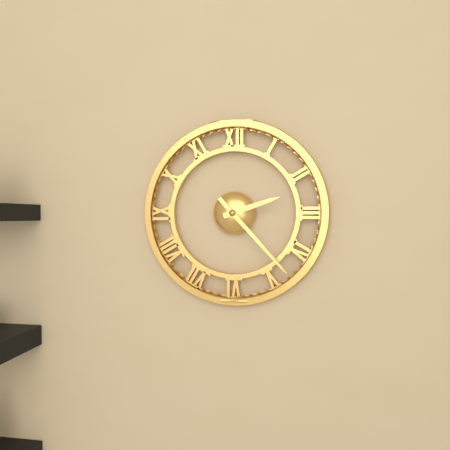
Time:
2:23
